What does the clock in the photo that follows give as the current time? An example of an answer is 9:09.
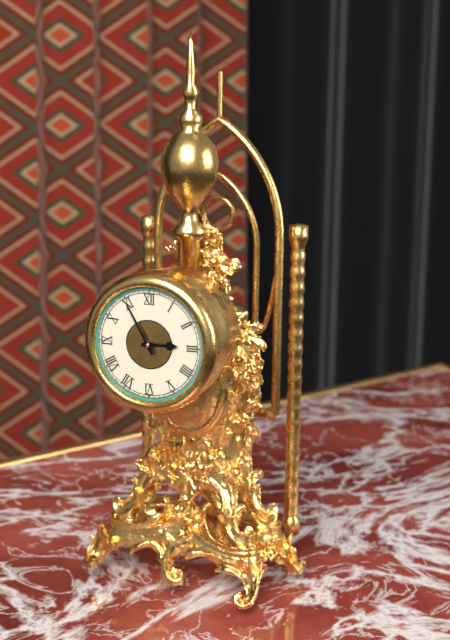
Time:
2:55
